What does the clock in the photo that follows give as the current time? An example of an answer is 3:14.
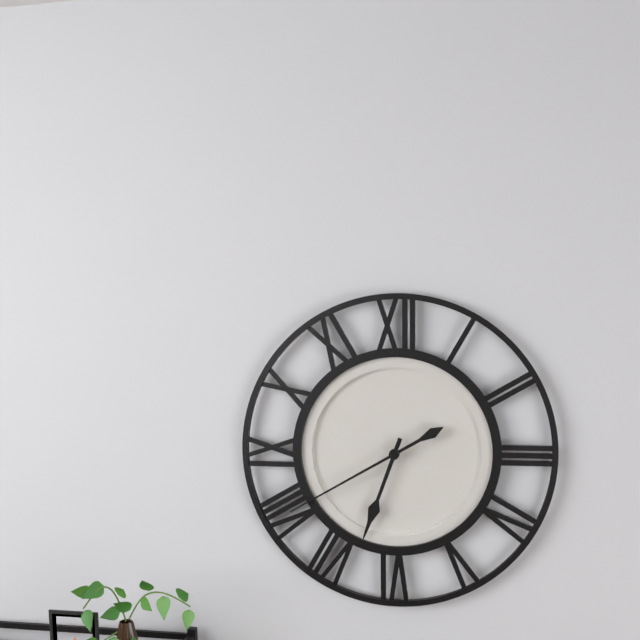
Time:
6:40
